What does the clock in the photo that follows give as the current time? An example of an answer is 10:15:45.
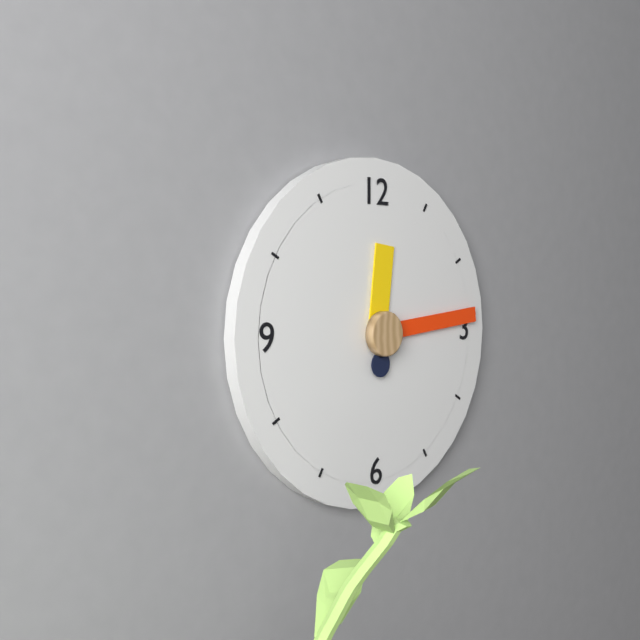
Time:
12:14:30
